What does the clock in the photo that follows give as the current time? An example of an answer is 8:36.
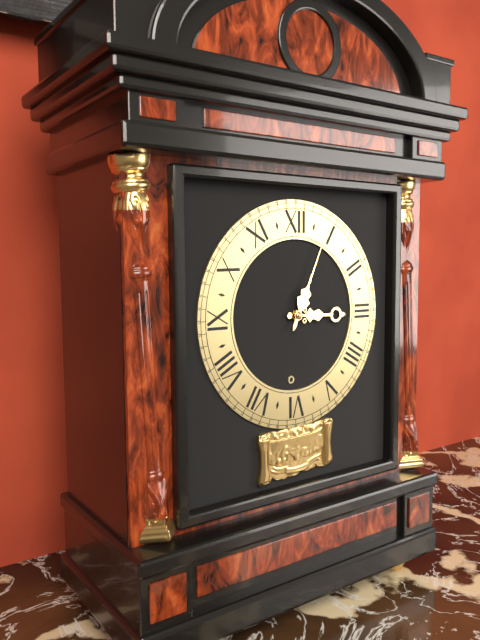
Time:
3:04
